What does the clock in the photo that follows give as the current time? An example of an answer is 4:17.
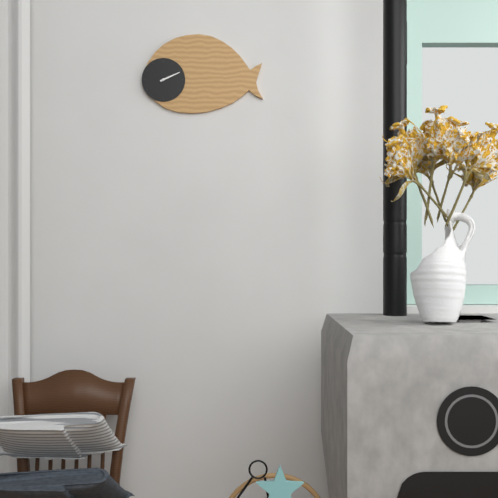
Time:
2:11
